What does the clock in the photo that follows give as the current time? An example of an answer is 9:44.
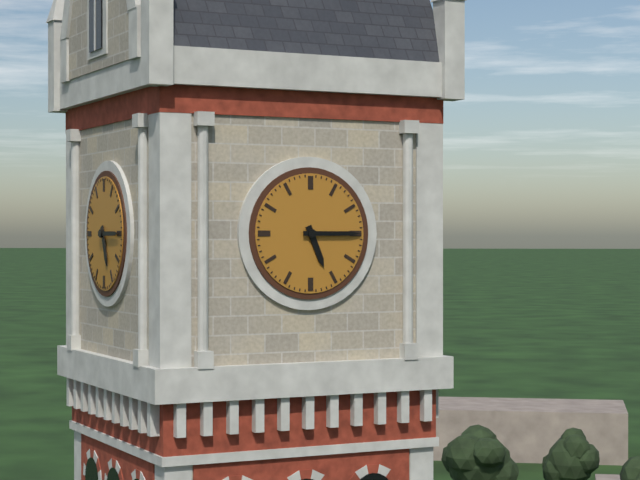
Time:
5:15
